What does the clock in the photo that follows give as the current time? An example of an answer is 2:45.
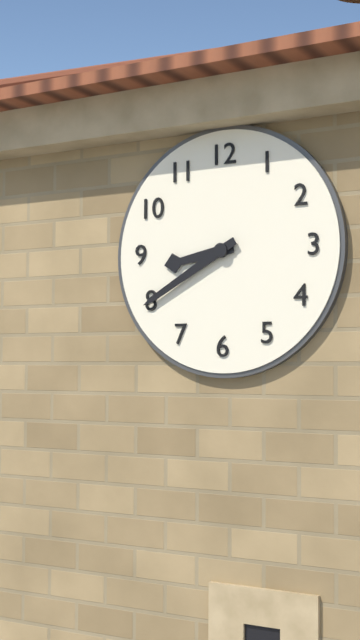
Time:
8:40
